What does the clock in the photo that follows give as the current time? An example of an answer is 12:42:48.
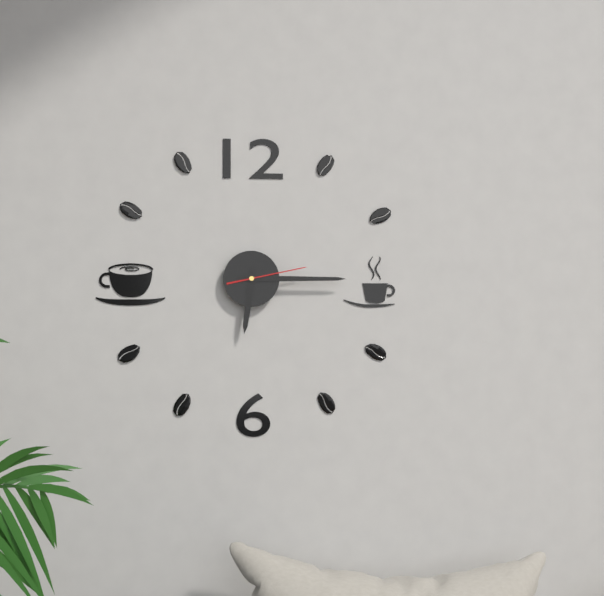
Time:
6:15:13
